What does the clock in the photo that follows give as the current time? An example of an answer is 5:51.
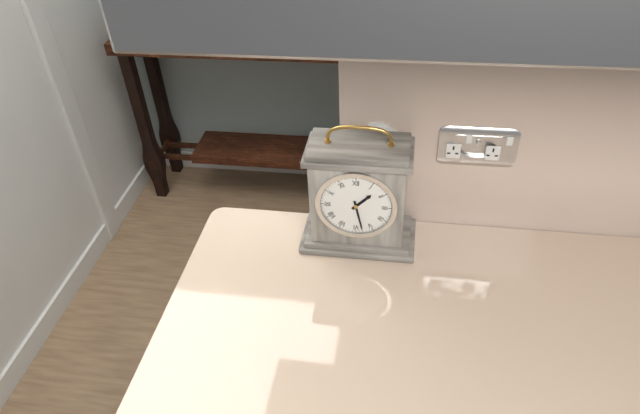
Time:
1:28
